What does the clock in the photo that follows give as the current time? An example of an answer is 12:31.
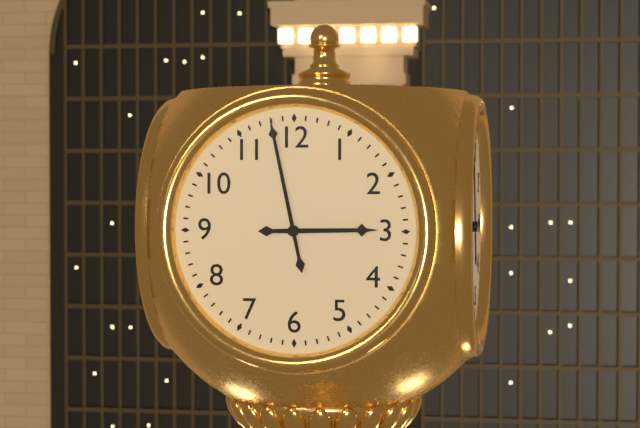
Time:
2:58
